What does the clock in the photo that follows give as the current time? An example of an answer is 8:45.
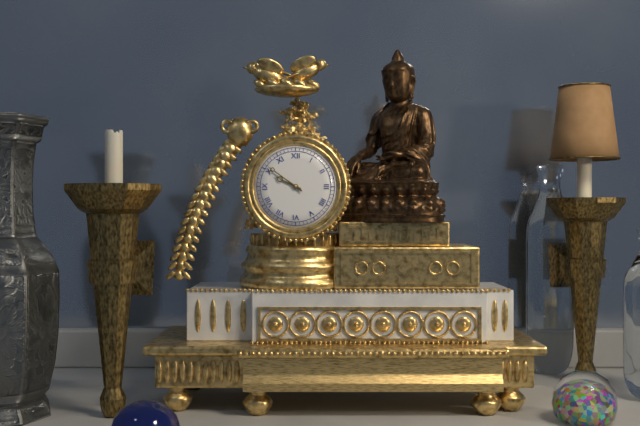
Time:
9:51
